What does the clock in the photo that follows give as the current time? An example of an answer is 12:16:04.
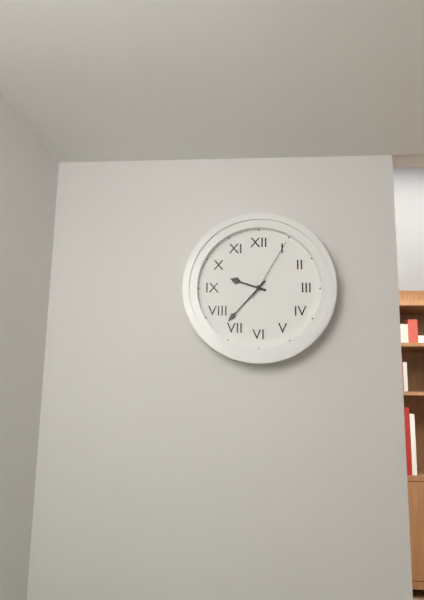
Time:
9:37:05
